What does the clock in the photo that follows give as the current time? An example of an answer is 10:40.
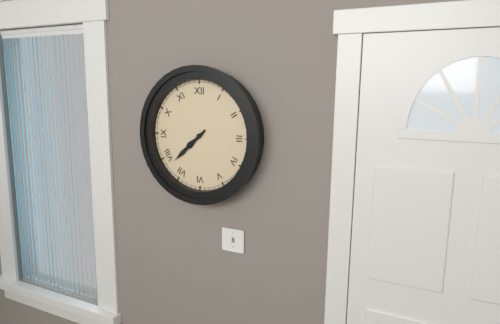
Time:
7:38
